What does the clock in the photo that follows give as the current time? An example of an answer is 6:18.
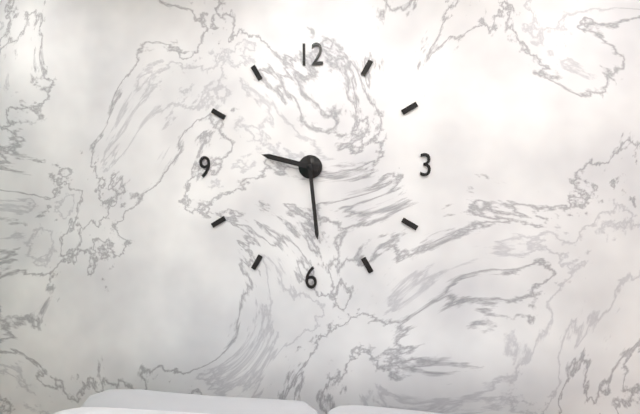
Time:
9:29
